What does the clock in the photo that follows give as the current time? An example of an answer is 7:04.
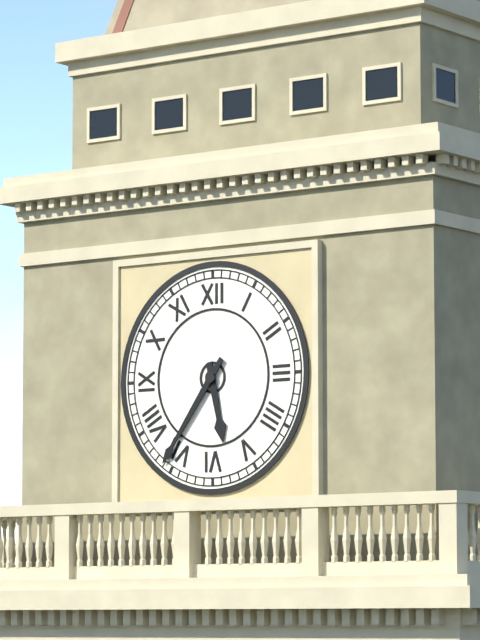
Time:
5:36
